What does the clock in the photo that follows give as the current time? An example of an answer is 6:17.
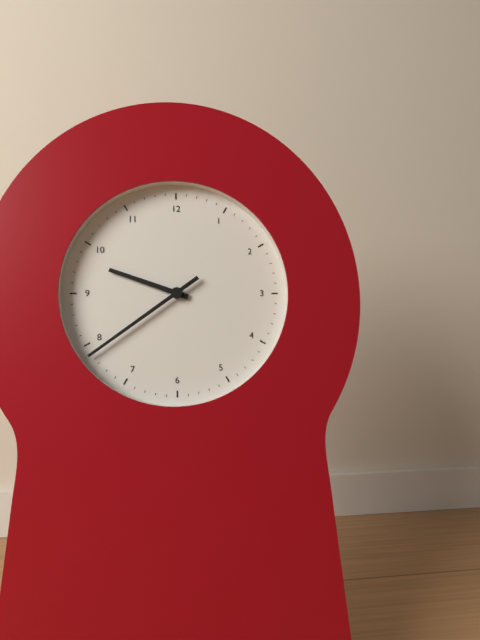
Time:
9:39
